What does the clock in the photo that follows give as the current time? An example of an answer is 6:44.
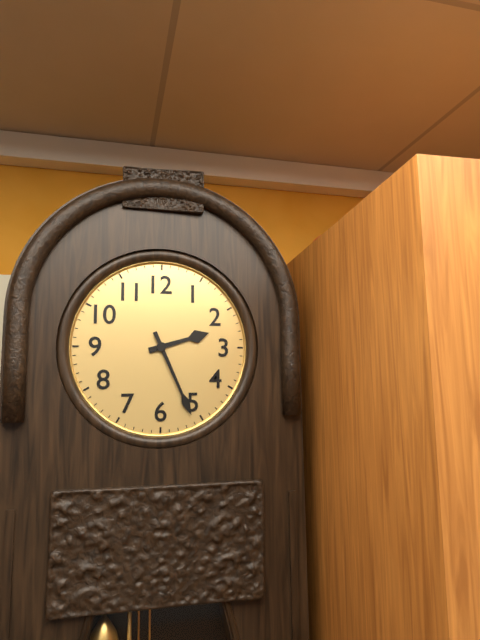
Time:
2:26
